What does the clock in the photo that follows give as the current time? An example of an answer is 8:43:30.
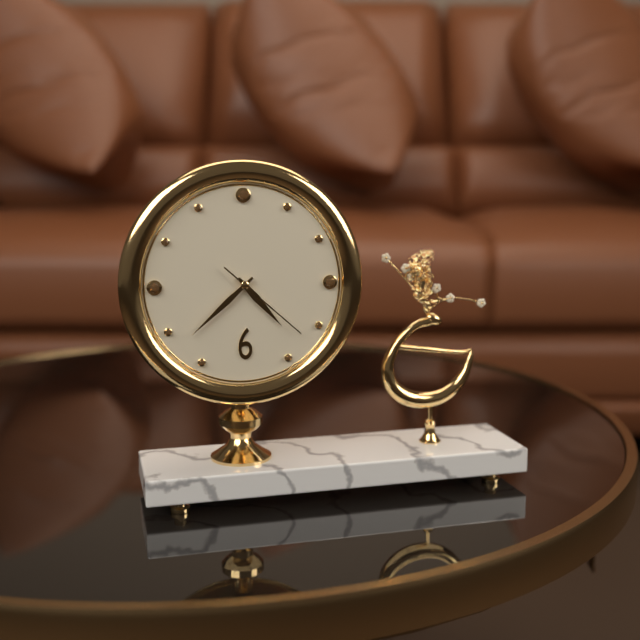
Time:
4:38:22
